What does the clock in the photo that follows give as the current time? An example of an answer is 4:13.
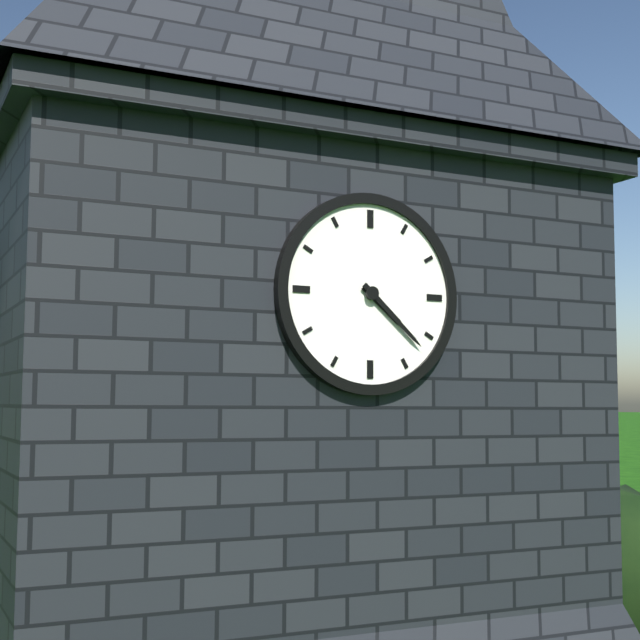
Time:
4:22
